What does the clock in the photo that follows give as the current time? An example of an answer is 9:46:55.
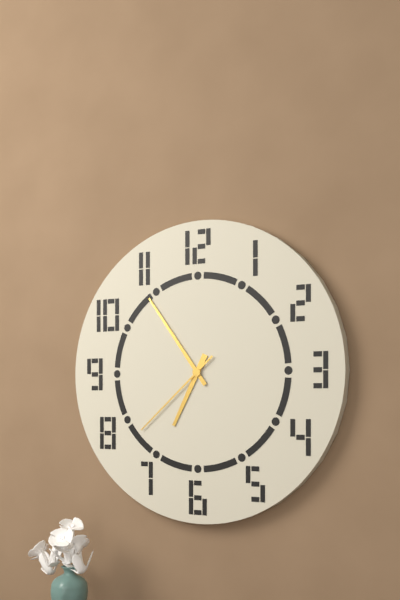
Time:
6:54:38
